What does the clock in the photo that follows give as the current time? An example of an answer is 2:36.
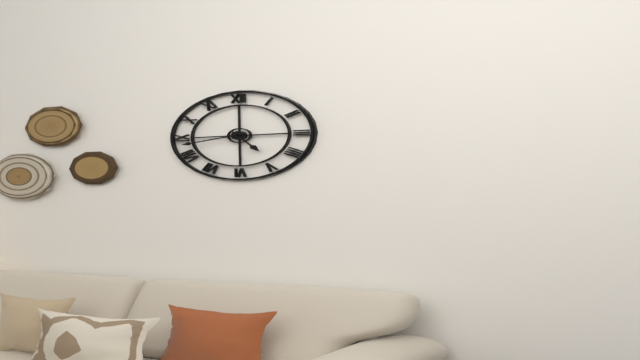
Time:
4:43
